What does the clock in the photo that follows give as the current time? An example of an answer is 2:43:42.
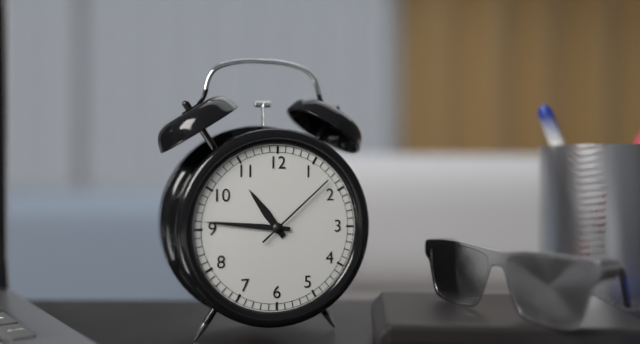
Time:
10:46:08
